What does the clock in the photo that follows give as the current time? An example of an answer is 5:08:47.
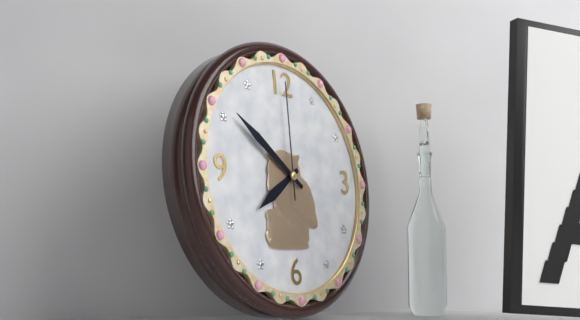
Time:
7:51:00
